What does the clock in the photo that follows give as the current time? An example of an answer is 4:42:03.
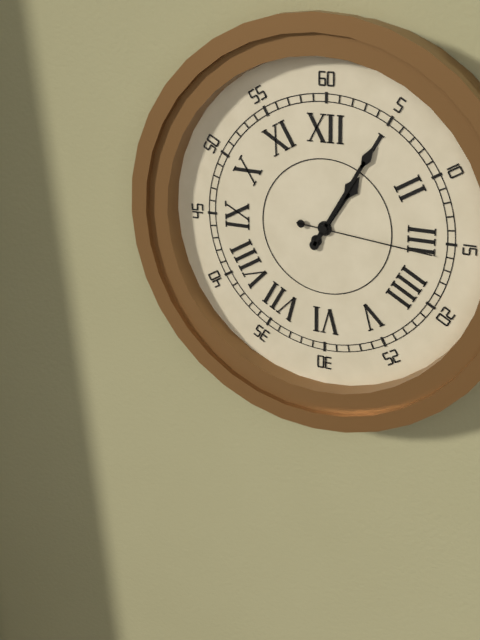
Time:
1:05:16
